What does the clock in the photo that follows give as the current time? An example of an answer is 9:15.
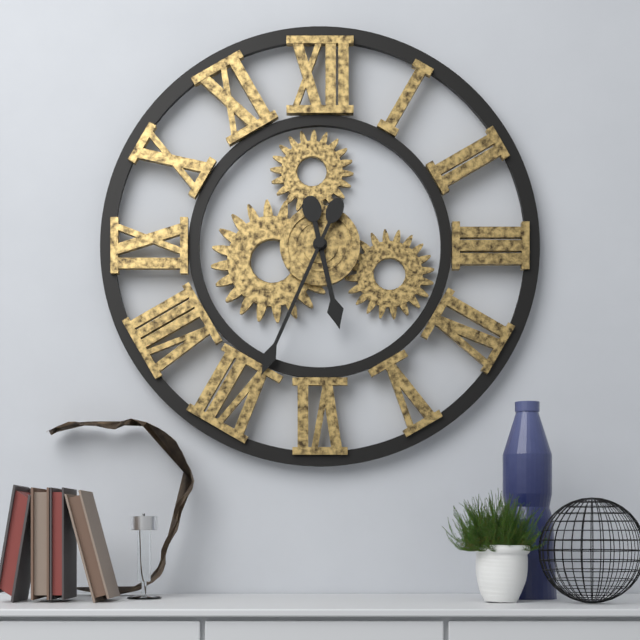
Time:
5:34
